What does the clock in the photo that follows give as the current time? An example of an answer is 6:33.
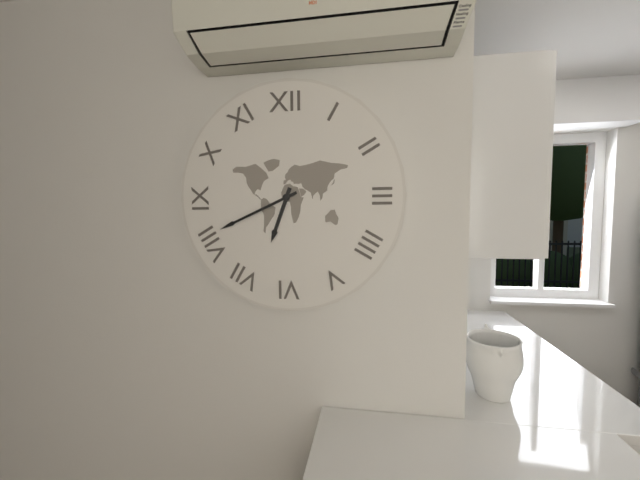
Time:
6:41
